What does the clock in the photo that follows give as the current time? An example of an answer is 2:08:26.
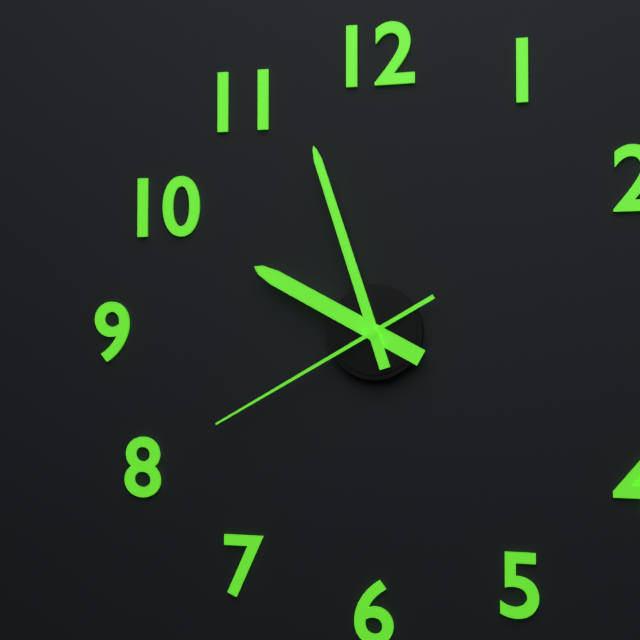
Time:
9:57:40
